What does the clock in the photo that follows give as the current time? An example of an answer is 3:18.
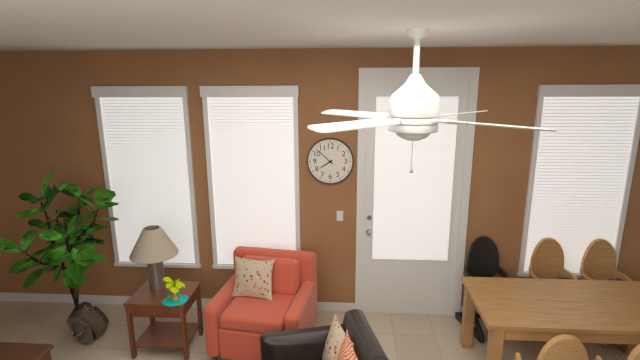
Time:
7:52
